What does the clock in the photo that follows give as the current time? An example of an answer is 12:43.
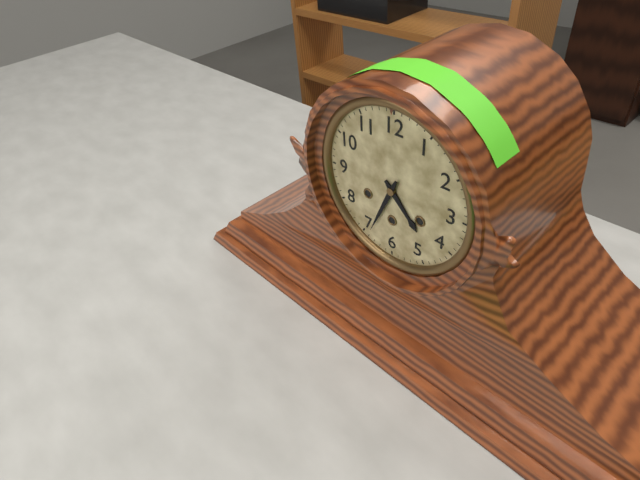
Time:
4:34
